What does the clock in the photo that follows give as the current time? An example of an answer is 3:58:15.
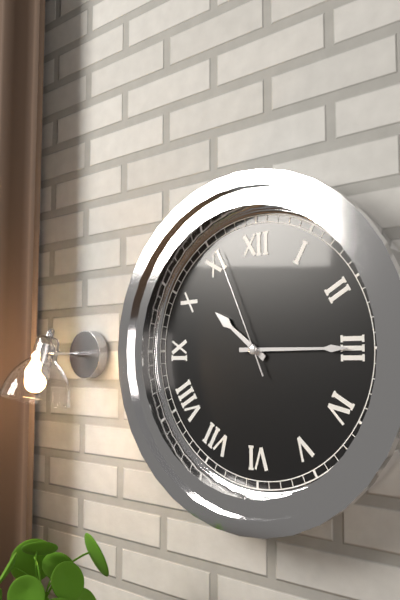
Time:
10:15:56
